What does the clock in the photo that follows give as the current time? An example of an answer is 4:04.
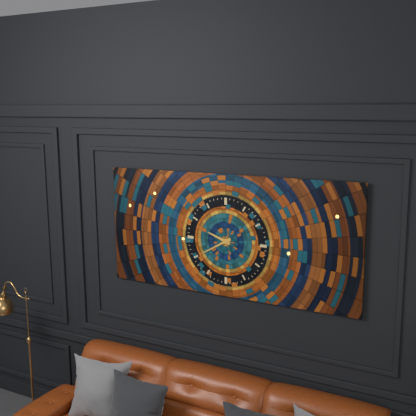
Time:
9:40
